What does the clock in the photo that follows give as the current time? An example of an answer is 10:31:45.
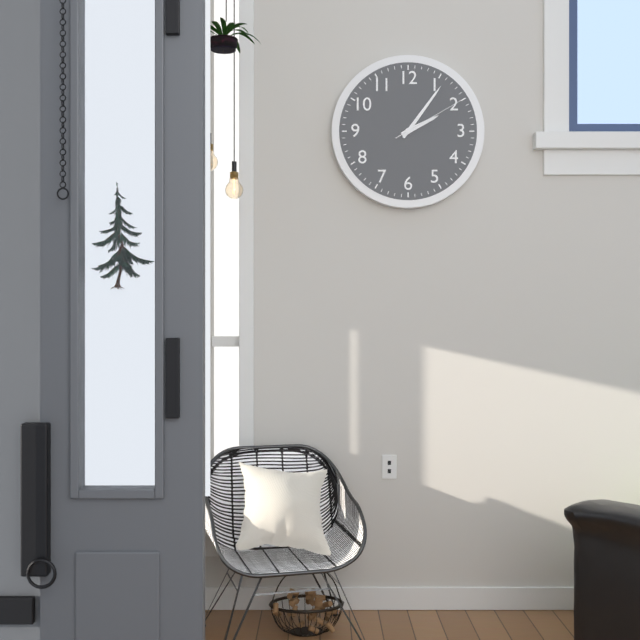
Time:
2:06:10
